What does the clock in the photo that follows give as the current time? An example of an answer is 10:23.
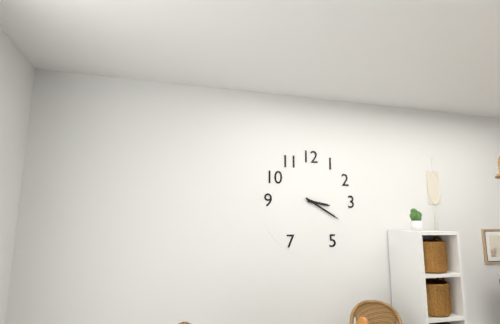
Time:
3:20
